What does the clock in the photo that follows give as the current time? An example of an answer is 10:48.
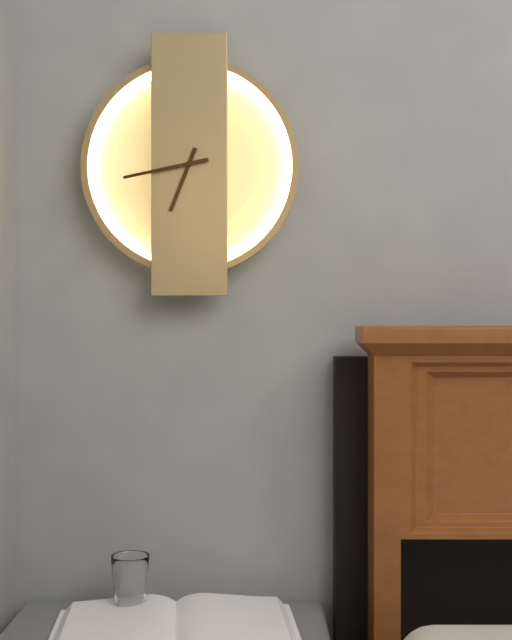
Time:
6:43
